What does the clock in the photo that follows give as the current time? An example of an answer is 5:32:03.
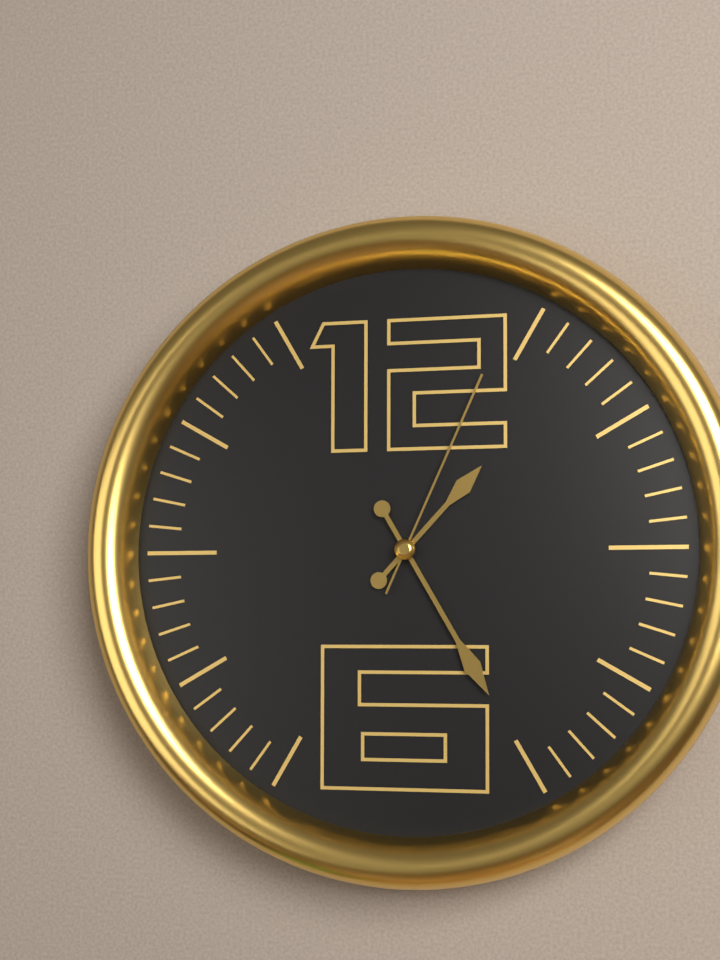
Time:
1:25:04
